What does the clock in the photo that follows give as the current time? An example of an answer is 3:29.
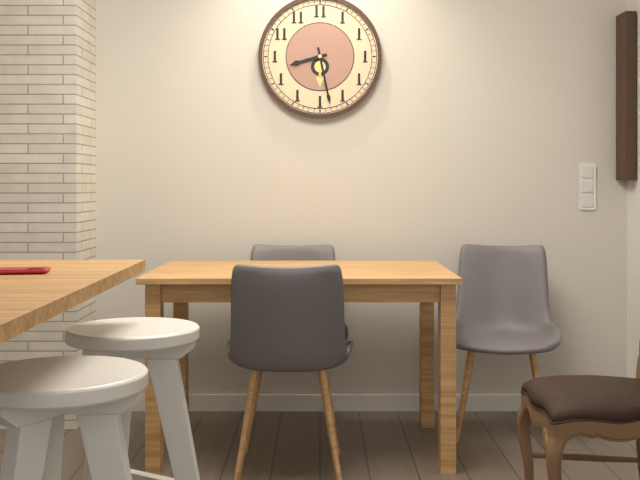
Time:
8:28
